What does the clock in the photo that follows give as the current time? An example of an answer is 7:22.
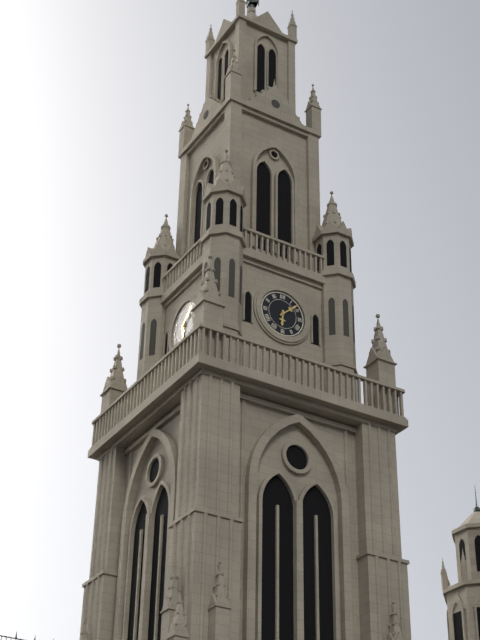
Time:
6:08
